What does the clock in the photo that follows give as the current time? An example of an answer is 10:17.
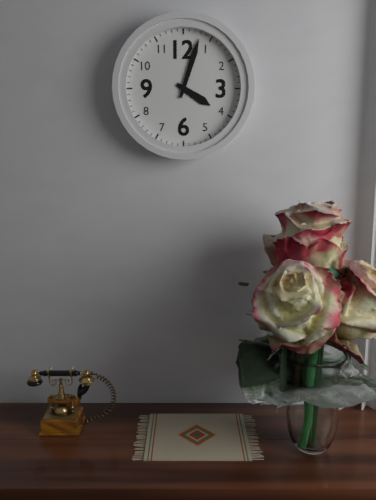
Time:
4:03
